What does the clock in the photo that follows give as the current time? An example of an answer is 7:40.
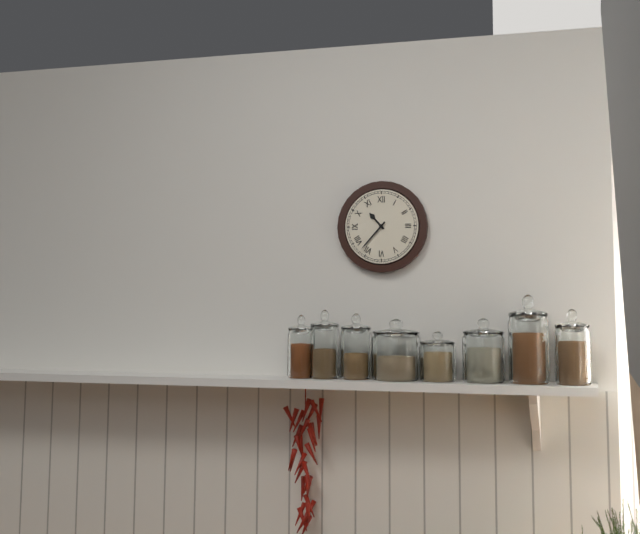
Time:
10:37
